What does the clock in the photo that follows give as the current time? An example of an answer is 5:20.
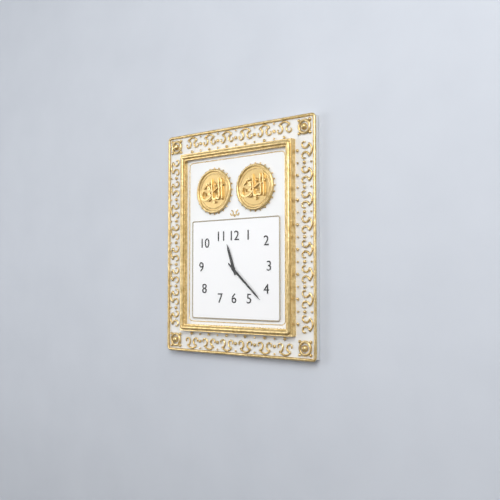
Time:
11:22
